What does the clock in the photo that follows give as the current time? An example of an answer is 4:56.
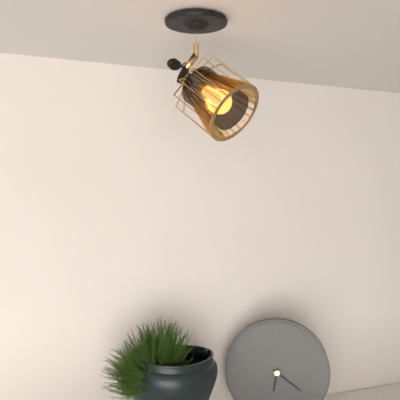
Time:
6:21
